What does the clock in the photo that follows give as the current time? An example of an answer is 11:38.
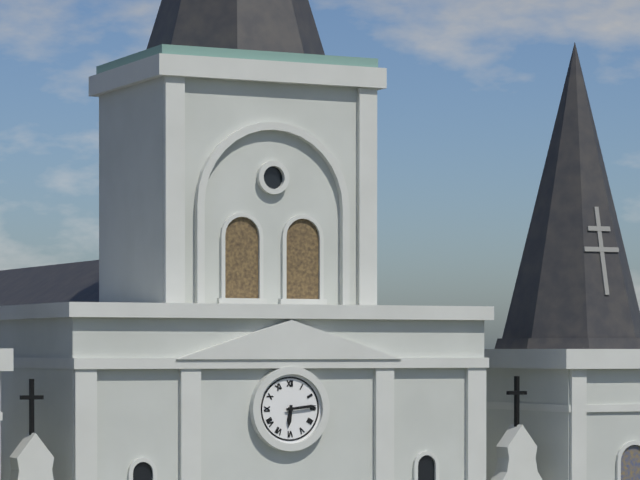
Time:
6:14
